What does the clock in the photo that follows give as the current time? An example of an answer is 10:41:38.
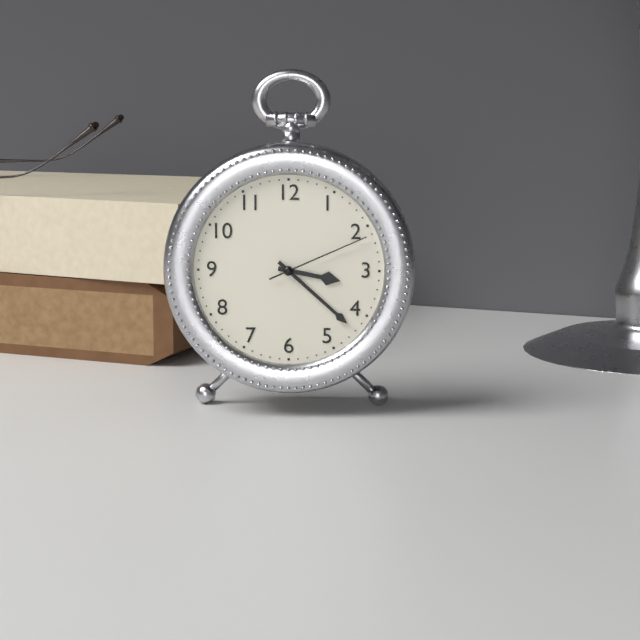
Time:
3:22:11
